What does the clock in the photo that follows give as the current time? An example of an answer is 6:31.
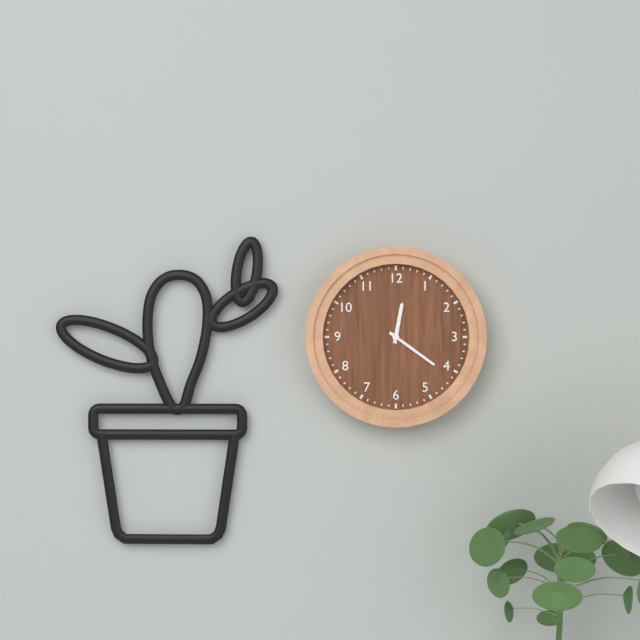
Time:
12:21
